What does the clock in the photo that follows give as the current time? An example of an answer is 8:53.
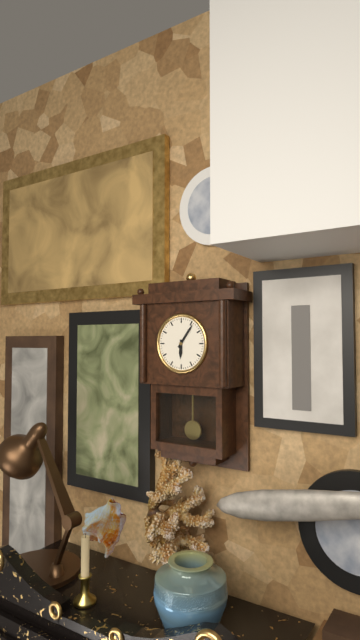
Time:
6:06
